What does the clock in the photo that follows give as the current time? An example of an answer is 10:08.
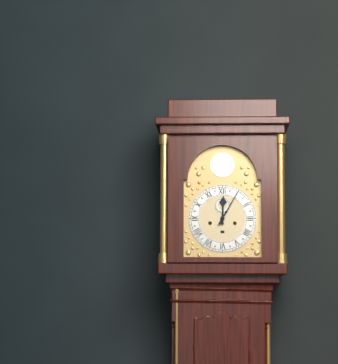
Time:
12:05
